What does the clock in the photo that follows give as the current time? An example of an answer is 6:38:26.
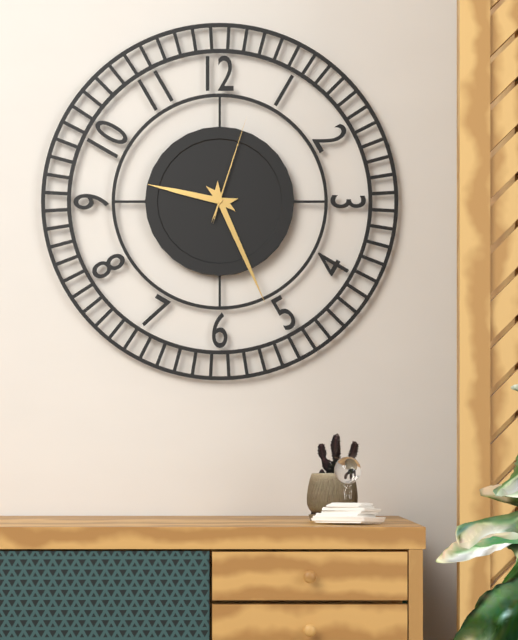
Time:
9:26:03
